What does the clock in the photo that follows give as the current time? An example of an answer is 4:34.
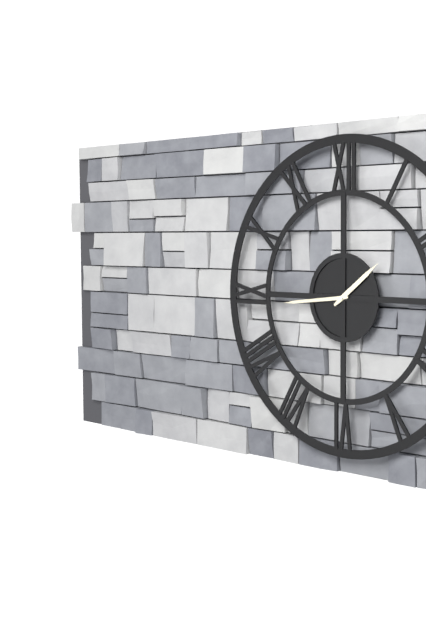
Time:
1:44
